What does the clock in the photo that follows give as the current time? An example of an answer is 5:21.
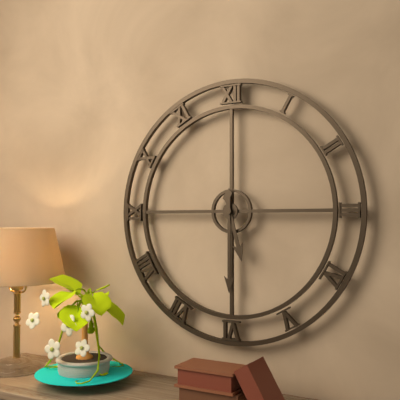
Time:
5:30
